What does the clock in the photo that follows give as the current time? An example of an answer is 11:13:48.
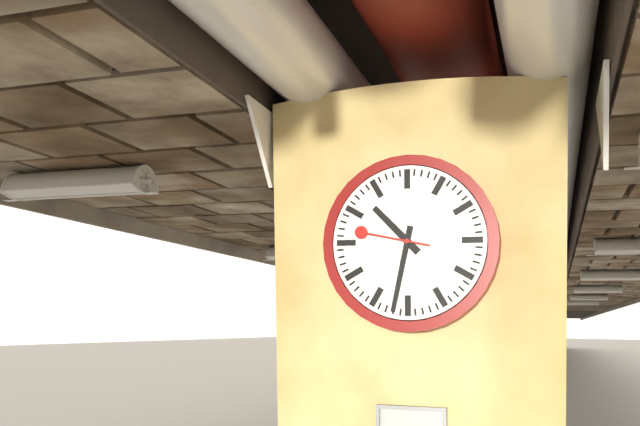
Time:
10:32:47
